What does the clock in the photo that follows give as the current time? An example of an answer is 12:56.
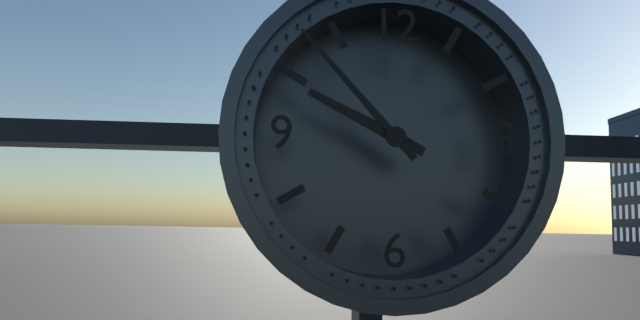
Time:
9:53
